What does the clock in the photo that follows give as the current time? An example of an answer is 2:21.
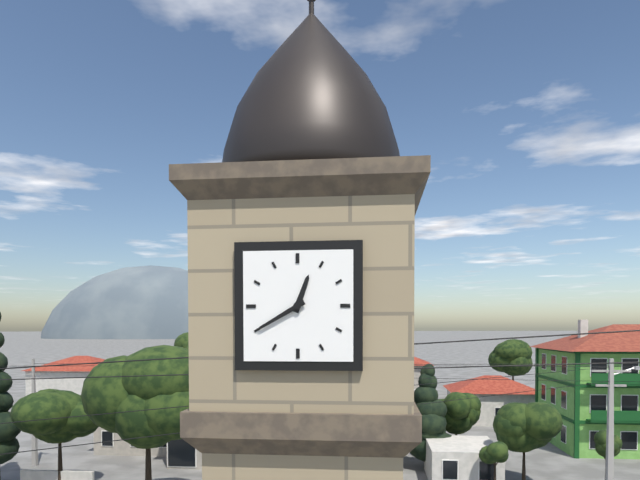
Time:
12:40
